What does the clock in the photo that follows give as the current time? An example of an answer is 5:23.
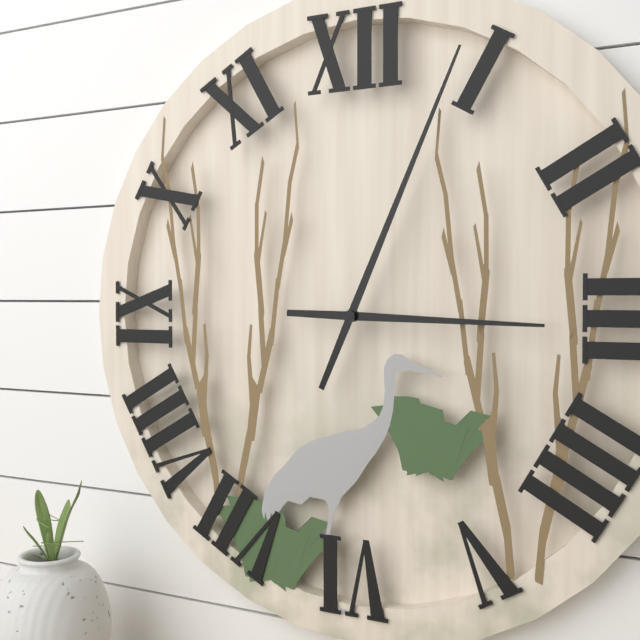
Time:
3:04
